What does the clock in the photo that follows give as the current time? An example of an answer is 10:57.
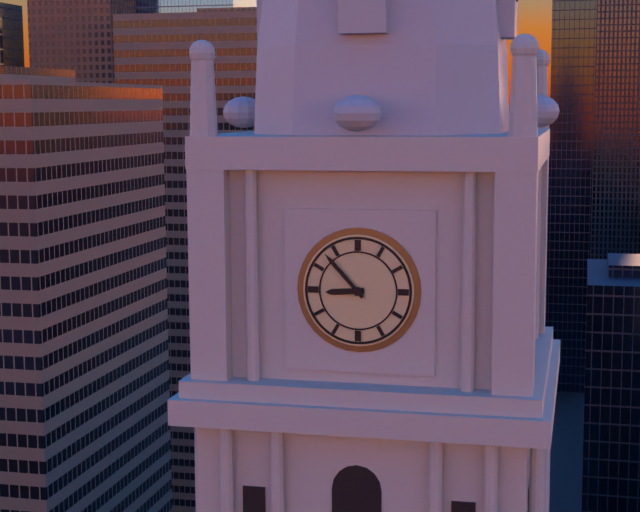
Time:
8:53
